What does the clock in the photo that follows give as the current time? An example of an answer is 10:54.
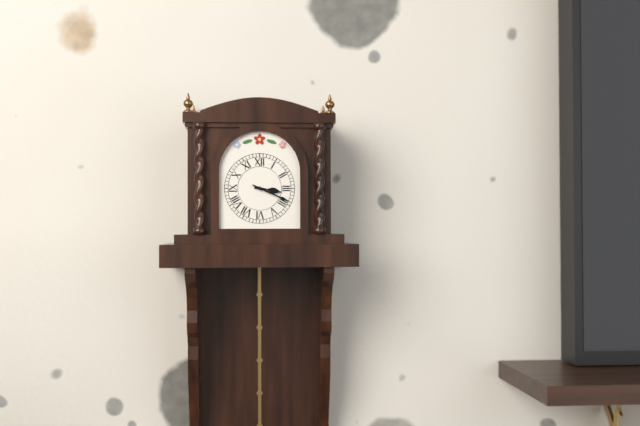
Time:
3:19
